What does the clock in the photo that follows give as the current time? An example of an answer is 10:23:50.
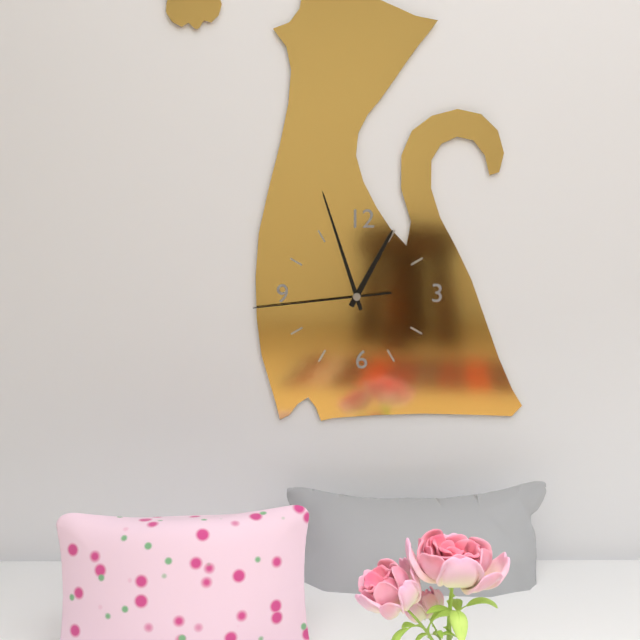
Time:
12:57:44
